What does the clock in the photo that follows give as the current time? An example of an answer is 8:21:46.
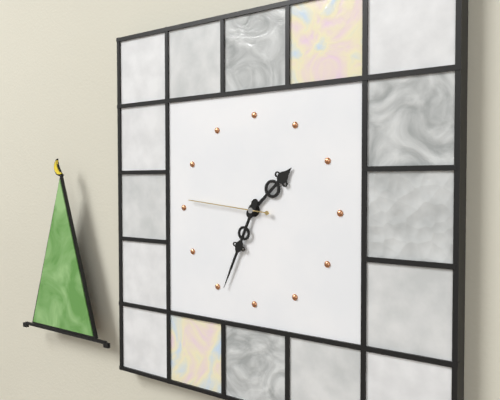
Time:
1:34:46
